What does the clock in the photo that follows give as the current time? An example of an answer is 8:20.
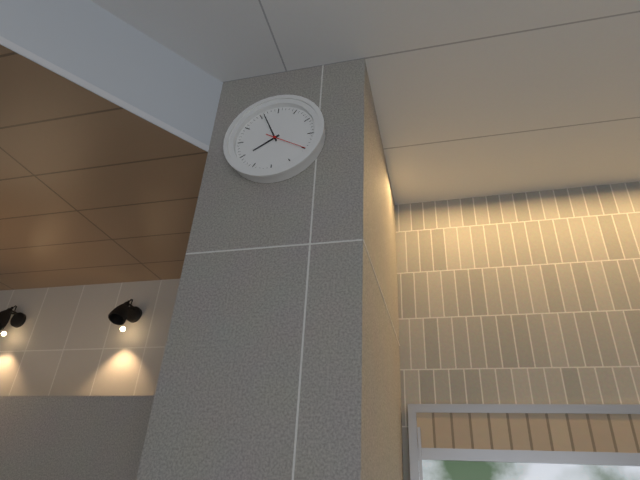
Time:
7:56
